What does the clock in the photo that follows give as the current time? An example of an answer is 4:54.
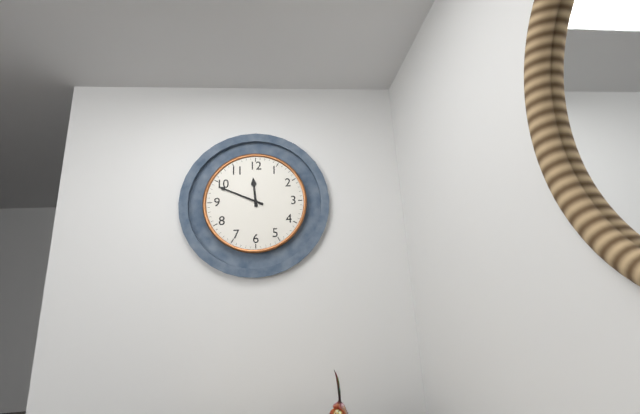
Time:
11:49
